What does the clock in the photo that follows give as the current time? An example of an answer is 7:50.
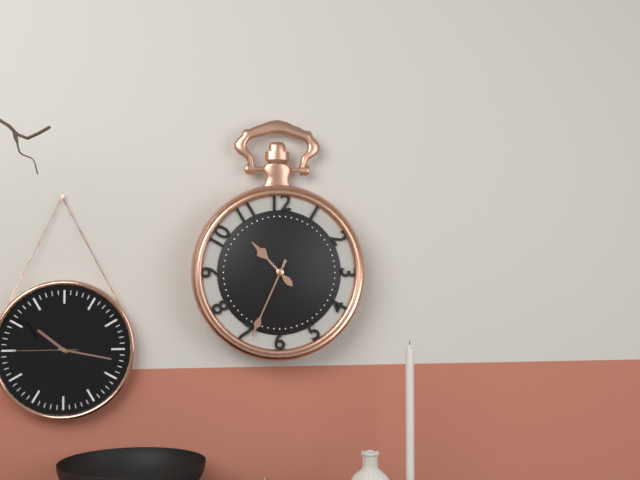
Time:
10:34
